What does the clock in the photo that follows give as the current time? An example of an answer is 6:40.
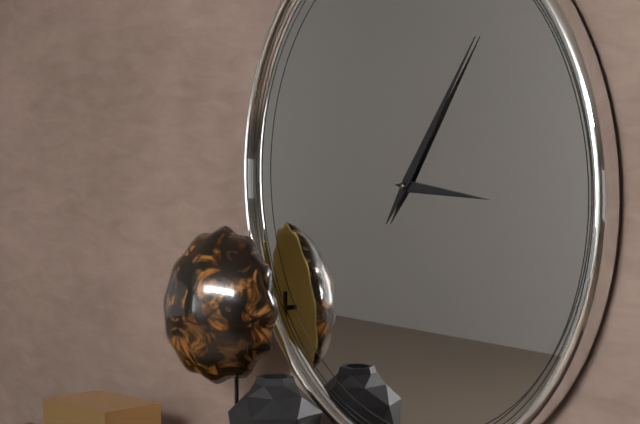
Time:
3:06
